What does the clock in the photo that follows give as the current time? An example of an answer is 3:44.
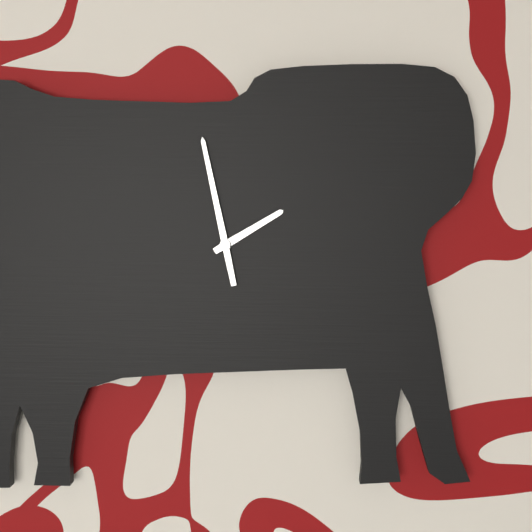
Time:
1:58
